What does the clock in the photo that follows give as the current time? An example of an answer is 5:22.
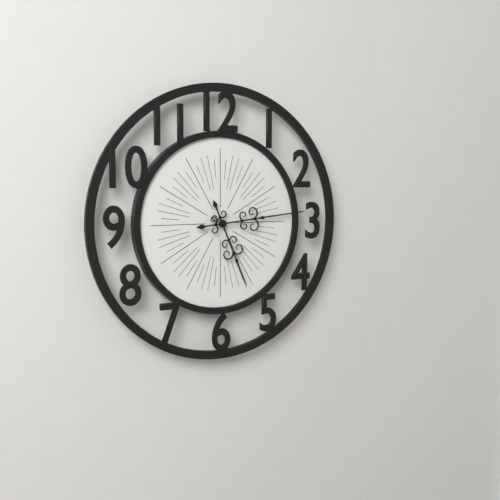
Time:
5:14
